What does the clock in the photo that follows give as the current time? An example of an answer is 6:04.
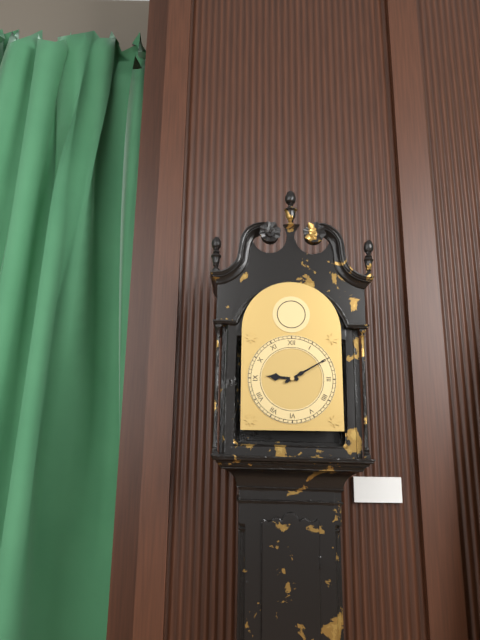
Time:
9:10
